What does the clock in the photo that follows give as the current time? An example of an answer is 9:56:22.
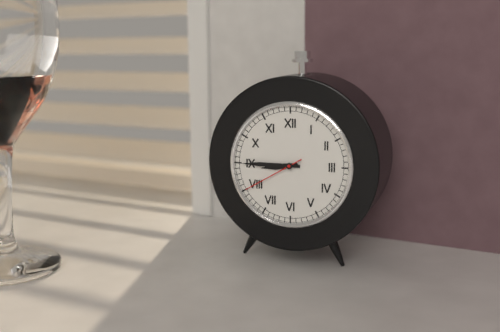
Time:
8:45:40
